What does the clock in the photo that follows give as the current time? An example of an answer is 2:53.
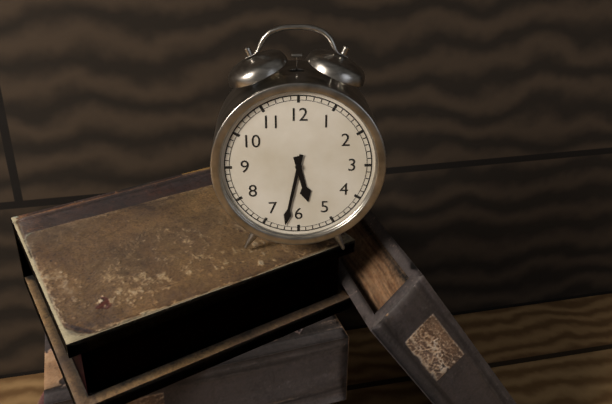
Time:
5:32
